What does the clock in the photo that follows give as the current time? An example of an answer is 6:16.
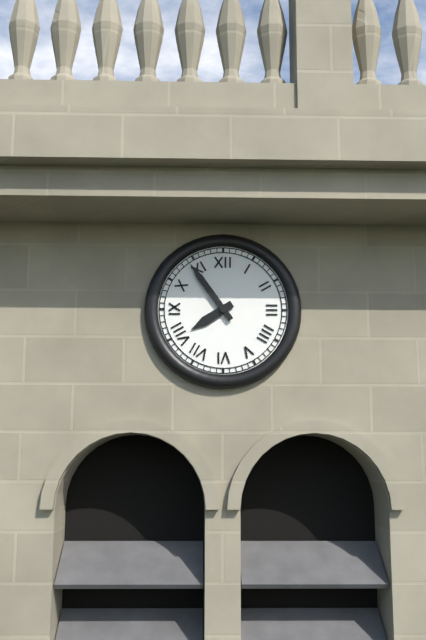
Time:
7:54
